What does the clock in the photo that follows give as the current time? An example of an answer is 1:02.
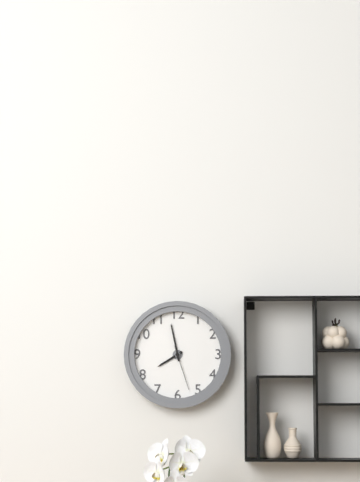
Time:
7:58
